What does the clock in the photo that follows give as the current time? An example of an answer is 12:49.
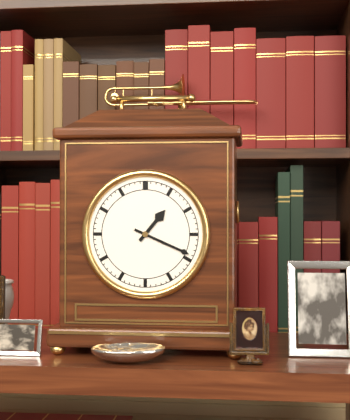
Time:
1:19
